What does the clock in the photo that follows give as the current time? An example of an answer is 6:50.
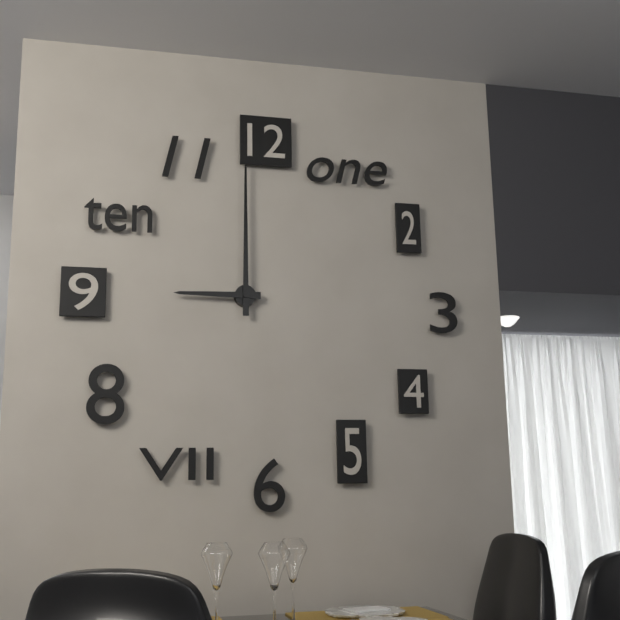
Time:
9:00
